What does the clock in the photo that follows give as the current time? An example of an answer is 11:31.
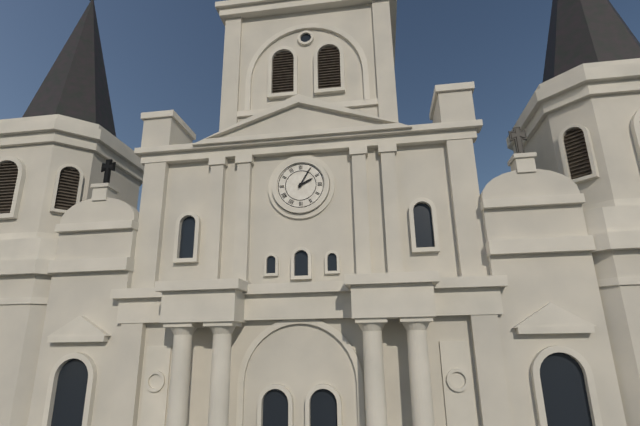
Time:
2:05
